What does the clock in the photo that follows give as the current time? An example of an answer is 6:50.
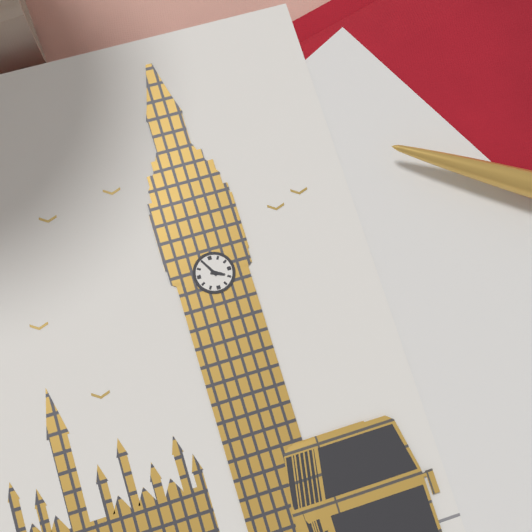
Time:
3:55
